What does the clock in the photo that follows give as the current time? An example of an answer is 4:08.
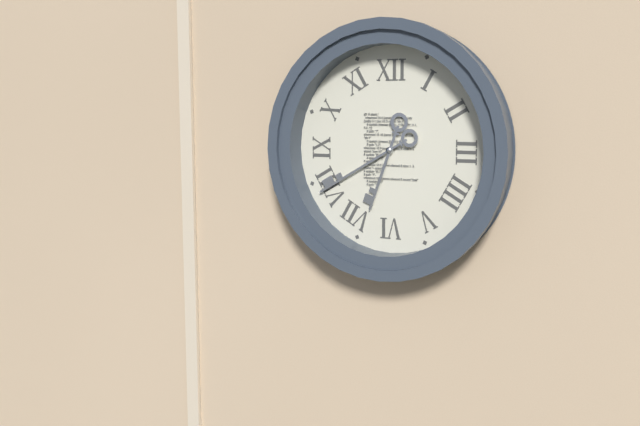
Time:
6:40
